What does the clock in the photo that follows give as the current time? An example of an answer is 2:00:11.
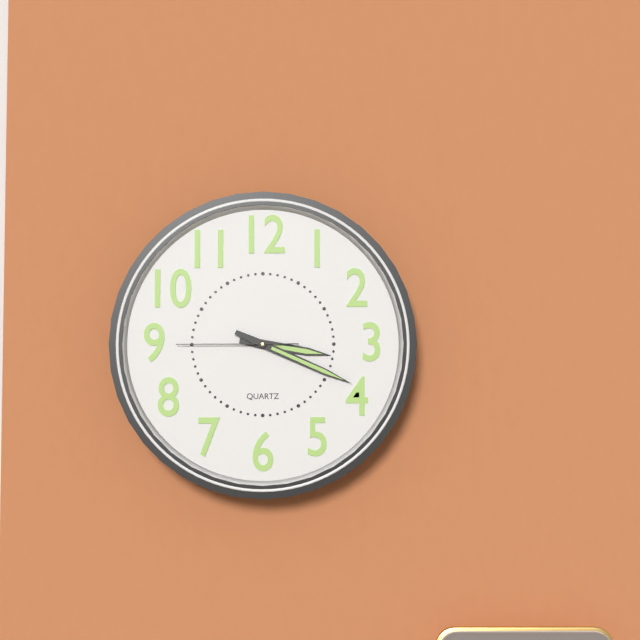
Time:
3:19:45
